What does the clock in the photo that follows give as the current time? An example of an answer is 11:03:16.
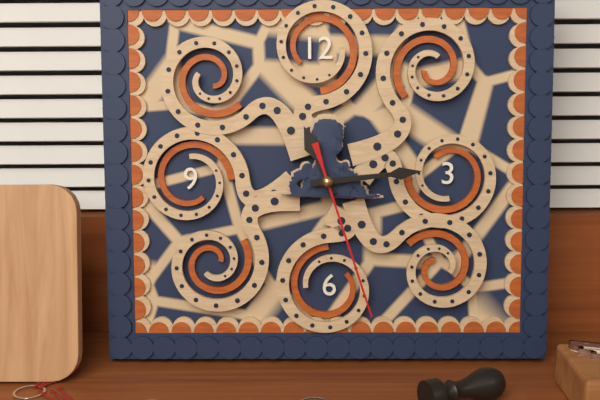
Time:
11:14:27
